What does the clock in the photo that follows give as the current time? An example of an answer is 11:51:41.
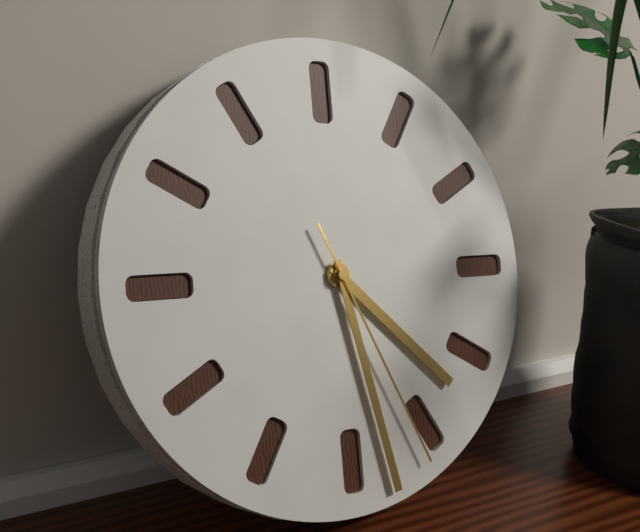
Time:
4:28:26
